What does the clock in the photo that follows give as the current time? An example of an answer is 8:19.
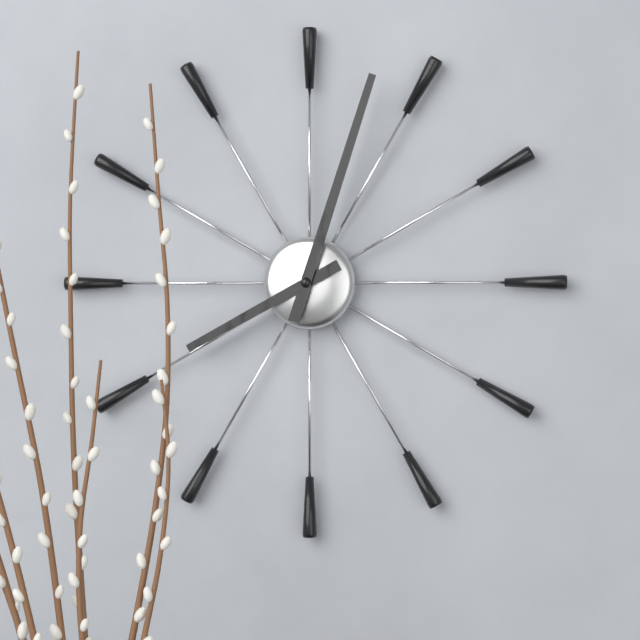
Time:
8:03
